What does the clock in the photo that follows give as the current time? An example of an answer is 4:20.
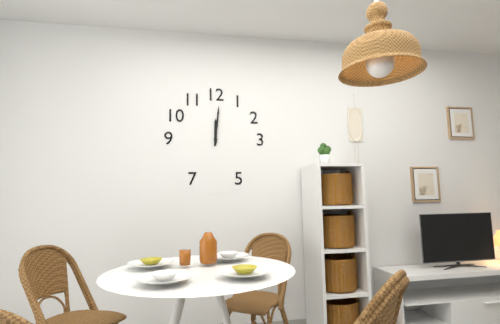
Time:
12:01
